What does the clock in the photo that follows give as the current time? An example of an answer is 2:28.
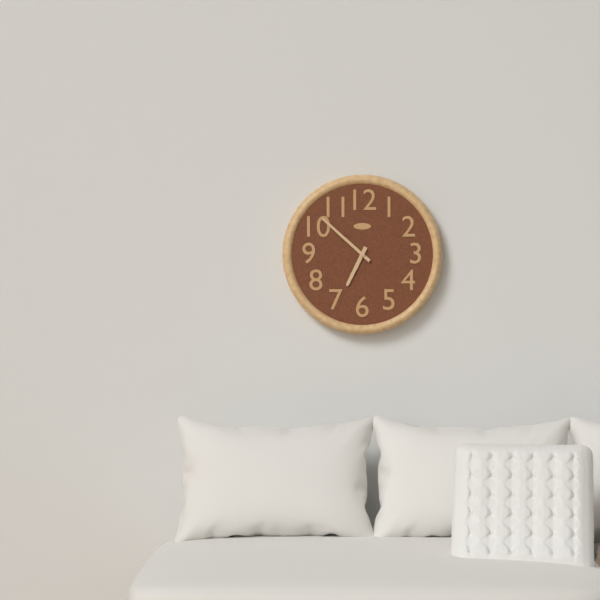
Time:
6:52
